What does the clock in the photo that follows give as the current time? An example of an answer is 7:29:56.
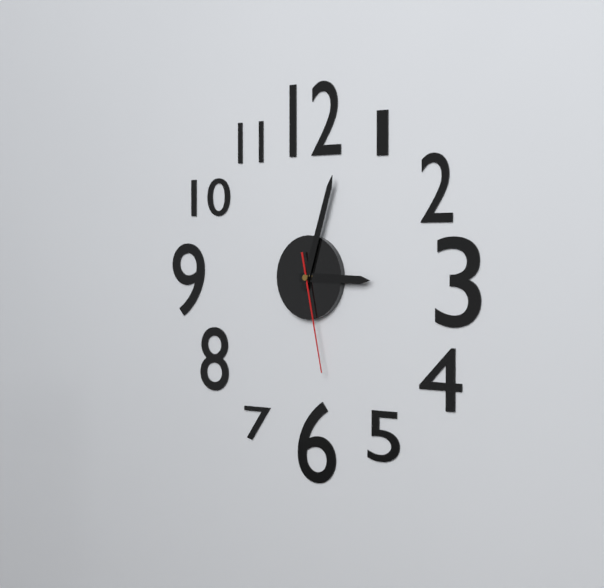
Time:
3:03:28
